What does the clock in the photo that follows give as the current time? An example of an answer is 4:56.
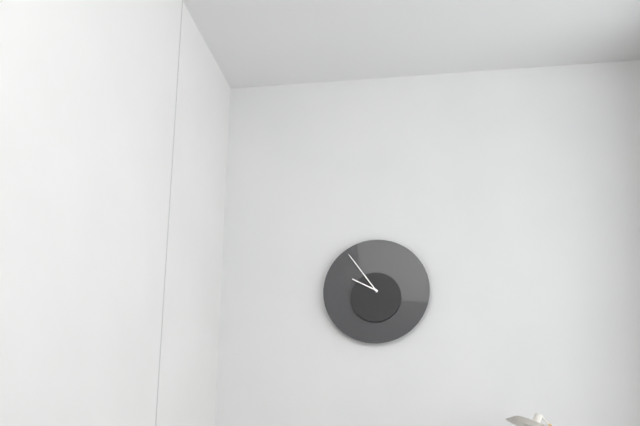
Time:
9:54
